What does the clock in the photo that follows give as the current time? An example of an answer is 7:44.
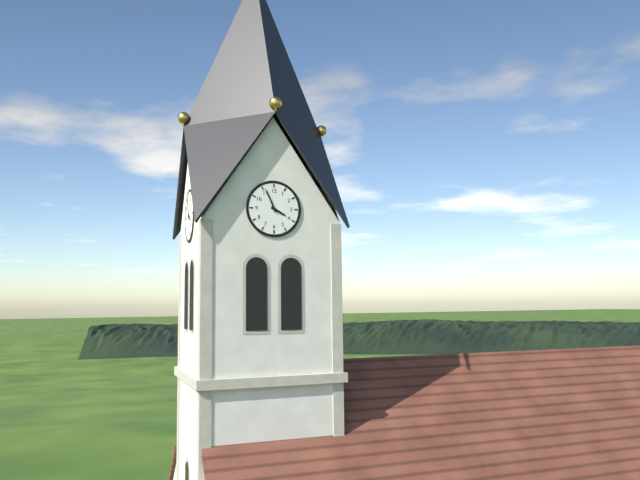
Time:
3:56
